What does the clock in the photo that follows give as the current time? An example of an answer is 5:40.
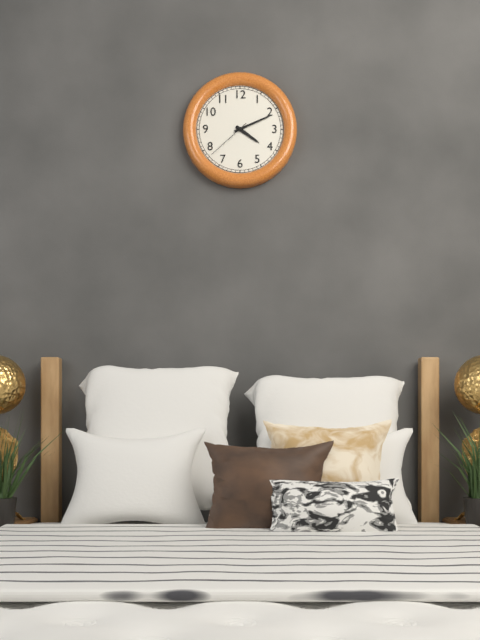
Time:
4:11
